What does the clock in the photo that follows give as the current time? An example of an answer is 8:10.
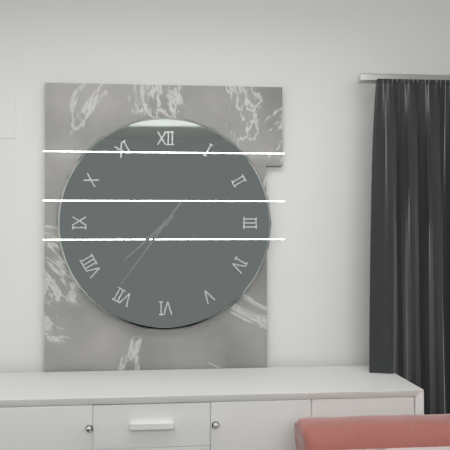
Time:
7:36
